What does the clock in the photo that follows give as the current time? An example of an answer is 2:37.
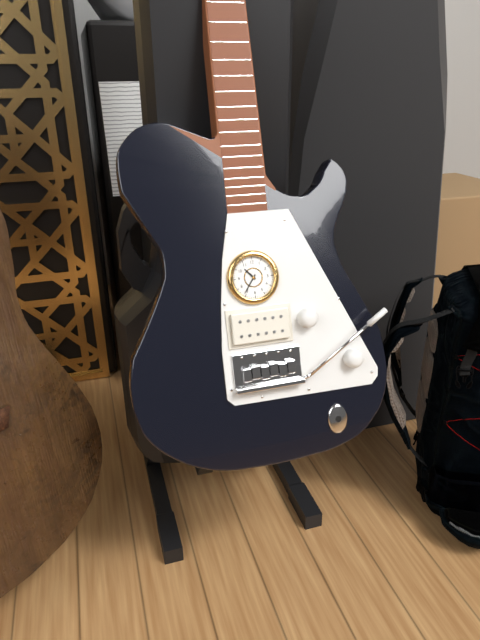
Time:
10:36
